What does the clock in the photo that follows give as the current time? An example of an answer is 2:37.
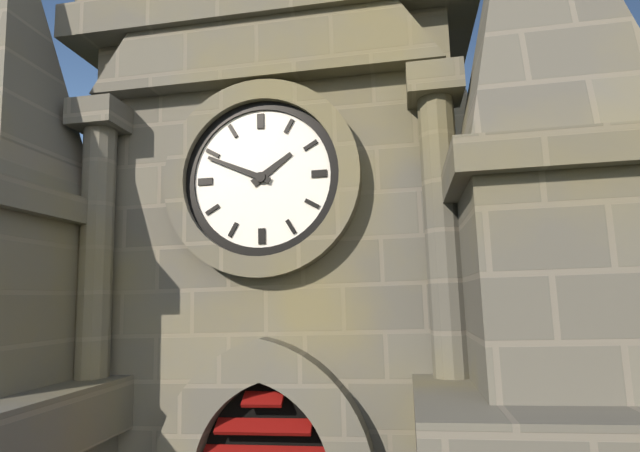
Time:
1:49
